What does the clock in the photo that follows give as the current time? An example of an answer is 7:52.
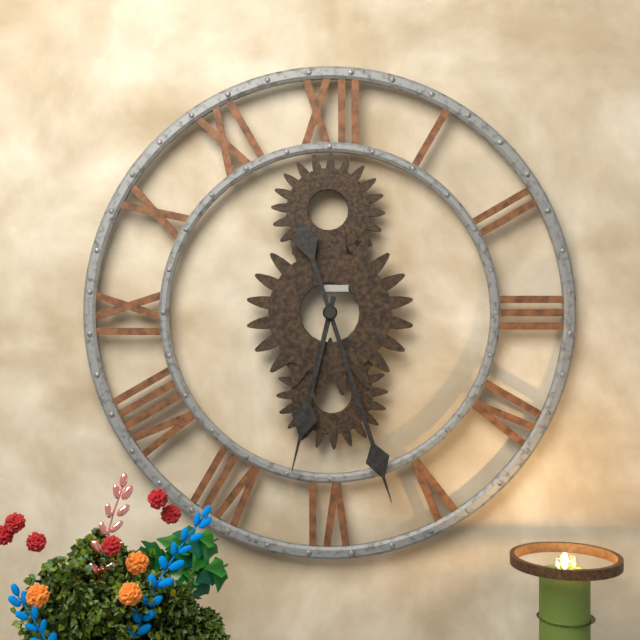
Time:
6:27
